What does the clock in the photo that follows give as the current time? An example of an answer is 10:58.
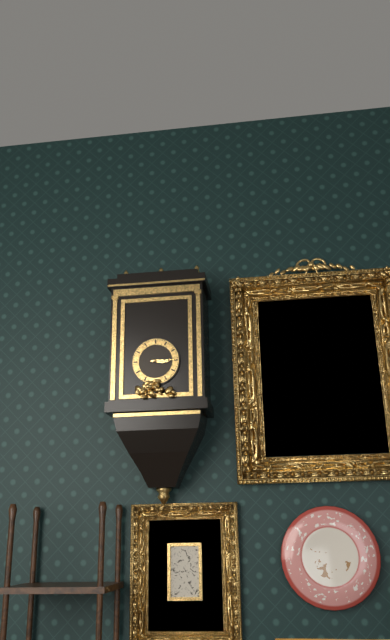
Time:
3:15
